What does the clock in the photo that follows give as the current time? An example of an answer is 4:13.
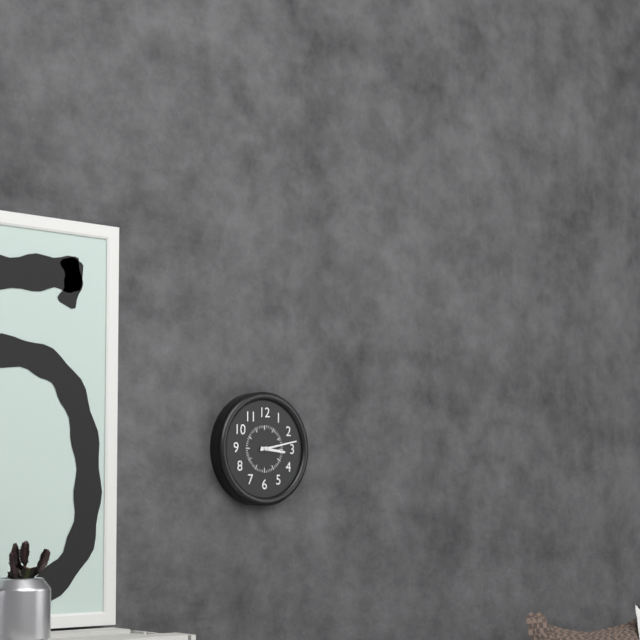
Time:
3:13
